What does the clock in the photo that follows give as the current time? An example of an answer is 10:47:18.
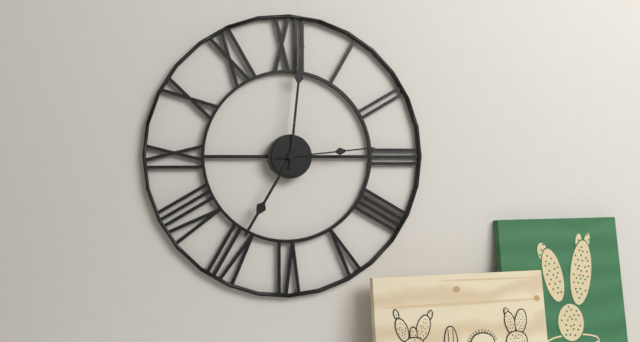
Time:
7:01:14
